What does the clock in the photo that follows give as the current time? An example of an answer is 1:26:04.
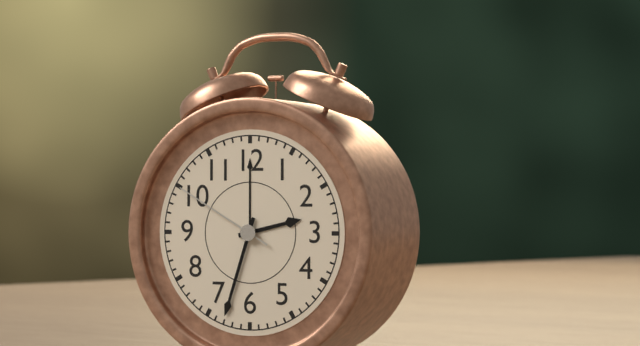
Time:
2:33:50
